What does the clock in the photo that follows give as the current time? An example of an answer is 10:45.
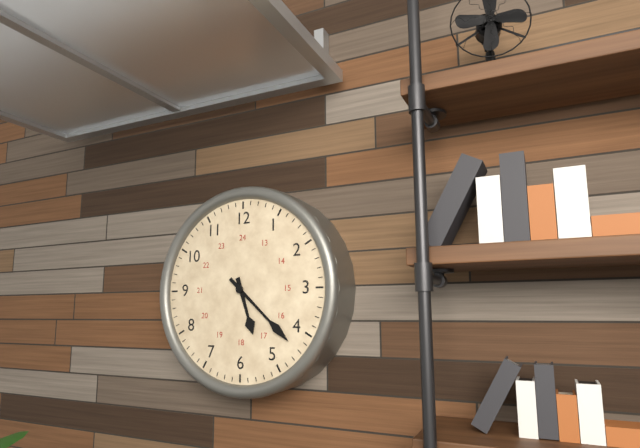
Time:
5:22
